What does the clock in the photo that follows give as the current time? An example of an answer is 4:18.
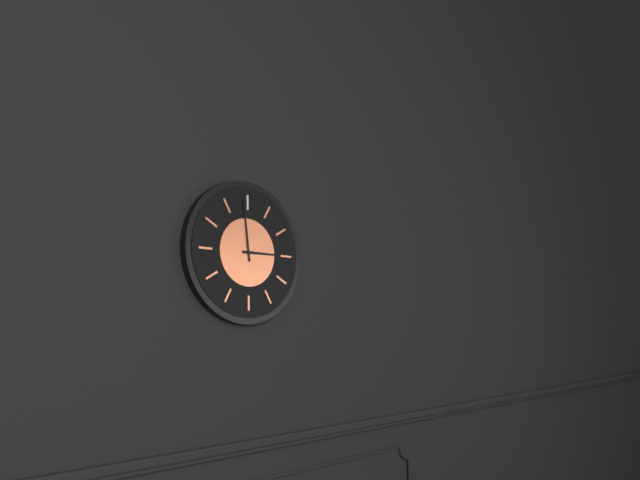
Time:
2:59
